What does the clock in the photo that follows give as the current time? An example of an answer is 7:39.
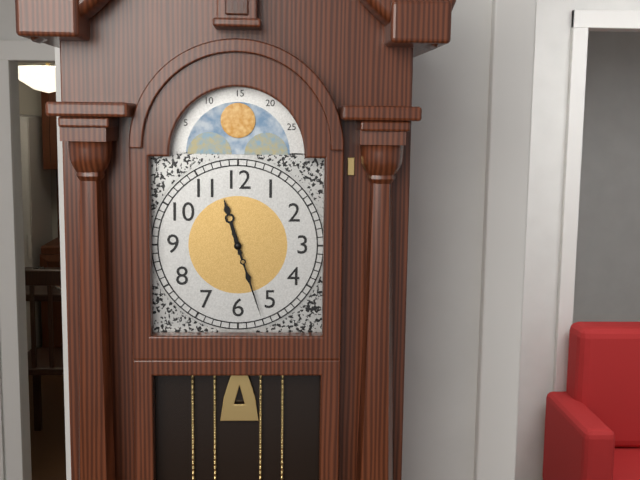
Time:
11:27
